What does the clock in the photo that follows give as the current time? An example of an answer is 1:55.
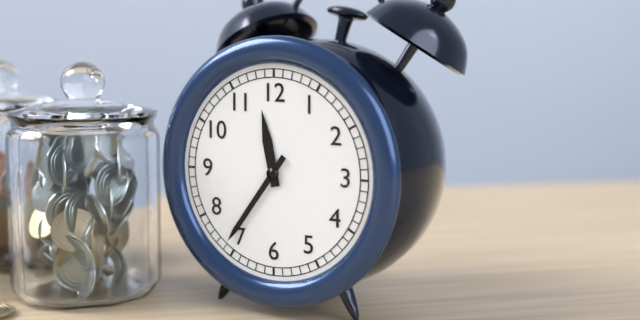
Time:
11:36
